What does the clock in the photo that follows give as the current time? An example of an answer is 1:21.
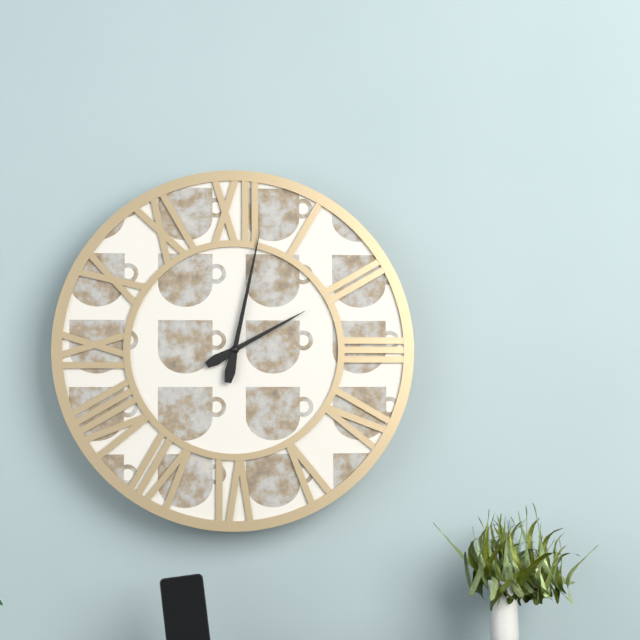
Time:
2:02
